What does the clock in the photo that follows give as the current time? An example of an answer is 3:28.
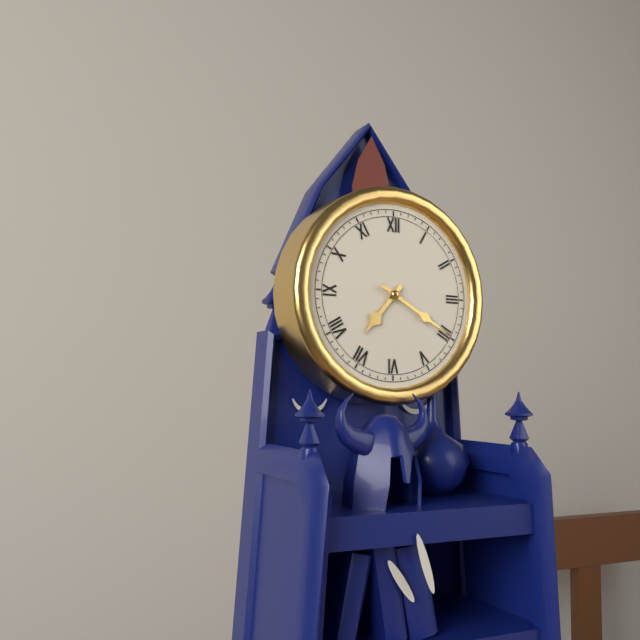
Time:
7:20
